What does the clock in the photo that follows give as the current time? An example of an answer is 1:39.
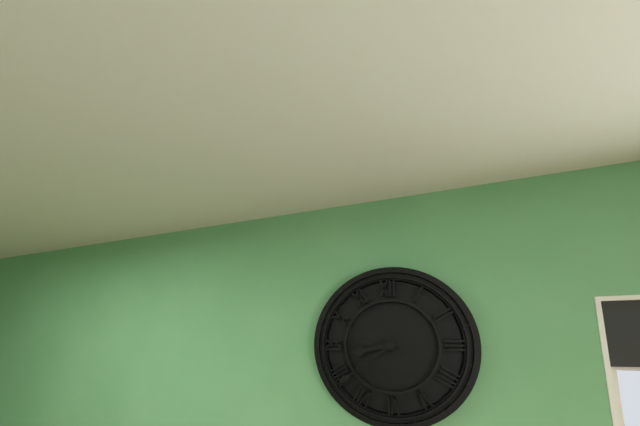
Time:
8:39
